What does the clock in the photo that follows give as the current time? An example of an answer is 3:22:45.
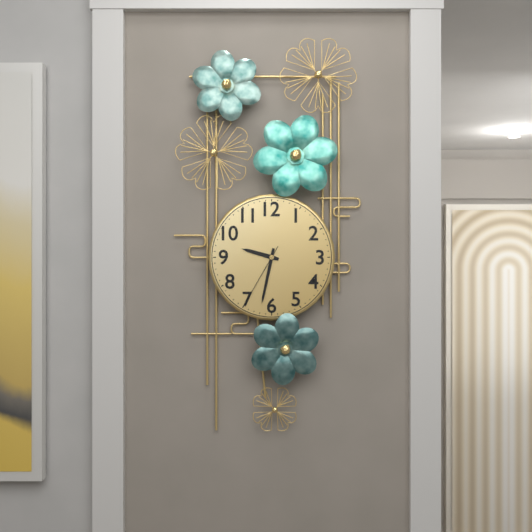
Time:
9:32:35
